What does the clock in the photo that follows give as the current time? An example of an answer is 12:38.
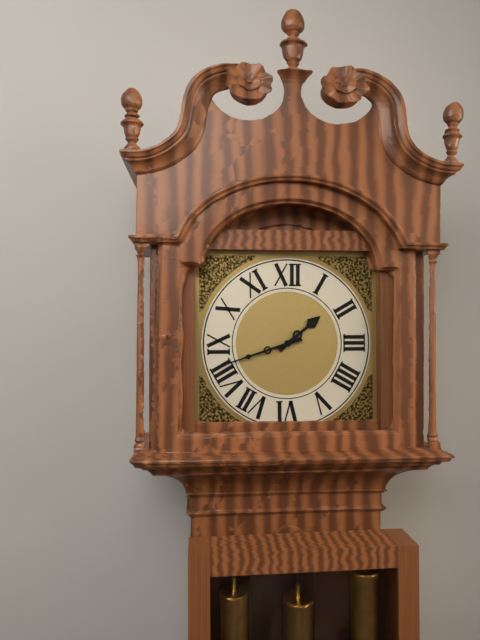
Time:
1:42
